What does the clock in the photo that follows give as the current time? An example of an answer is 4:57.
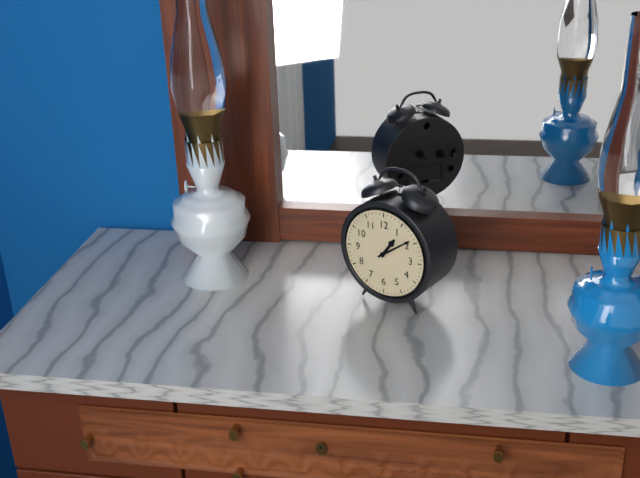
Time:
1:09
